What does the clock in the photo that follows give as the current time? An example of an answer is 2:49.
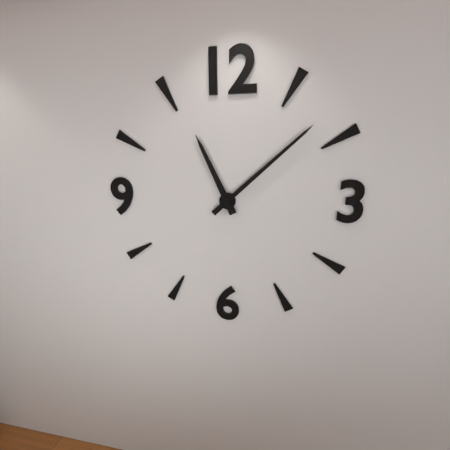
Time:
11:08
